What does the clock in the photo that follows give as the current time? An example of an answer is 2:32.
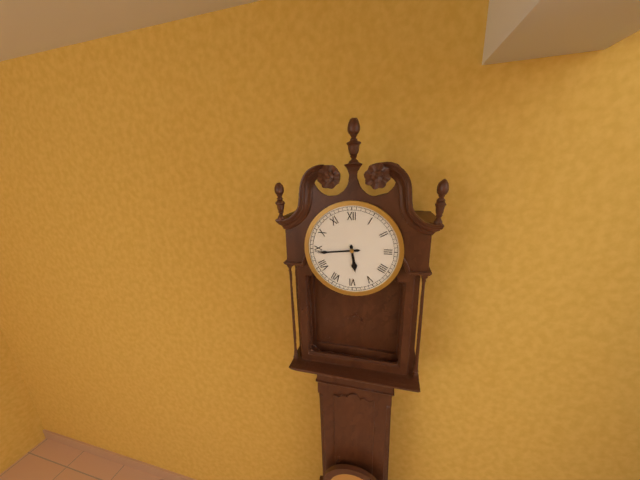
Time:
5:44
